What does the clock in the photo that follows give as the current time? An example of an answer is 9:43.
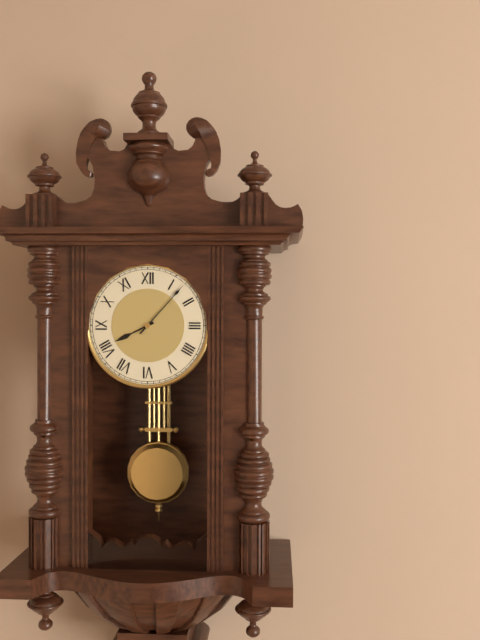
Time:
8:07
